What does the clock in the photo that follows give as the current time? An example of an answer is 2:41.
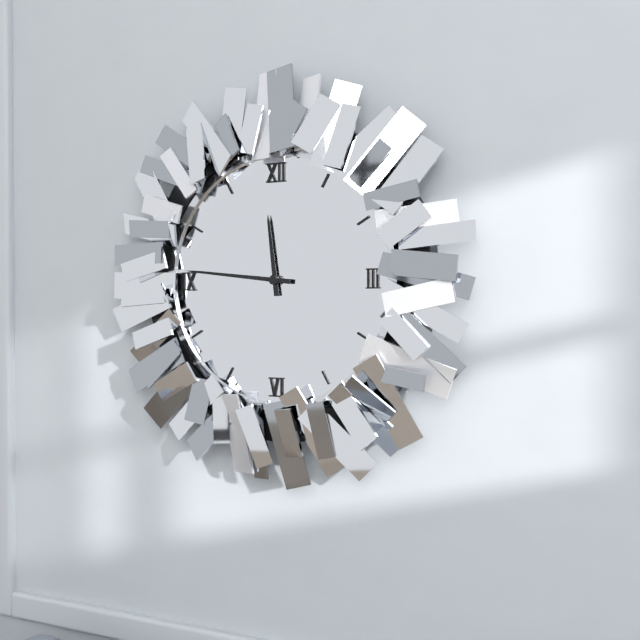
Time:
11:46
